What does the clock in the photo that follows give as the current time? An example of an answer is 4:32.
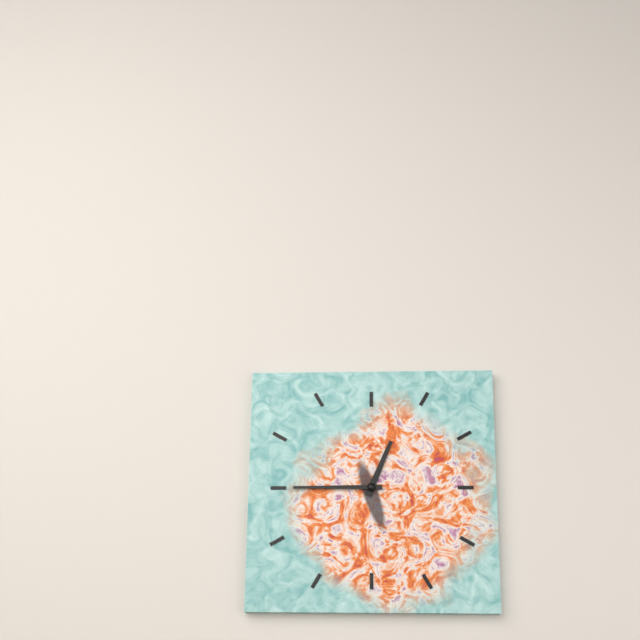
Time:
12:45
